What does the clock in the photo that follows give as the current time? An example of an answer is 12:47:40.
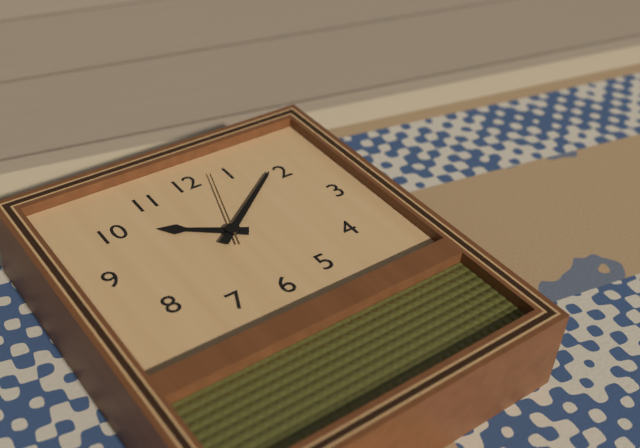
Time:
10:09:03
